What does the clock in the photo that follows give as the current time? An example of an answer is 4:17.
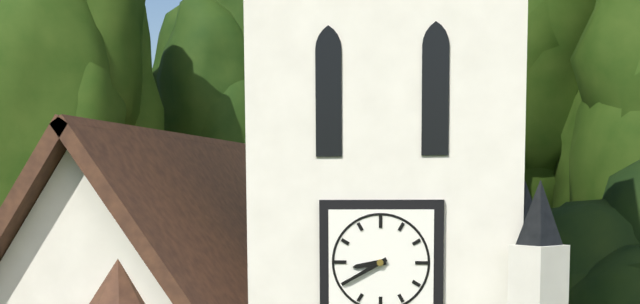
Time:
8:40
